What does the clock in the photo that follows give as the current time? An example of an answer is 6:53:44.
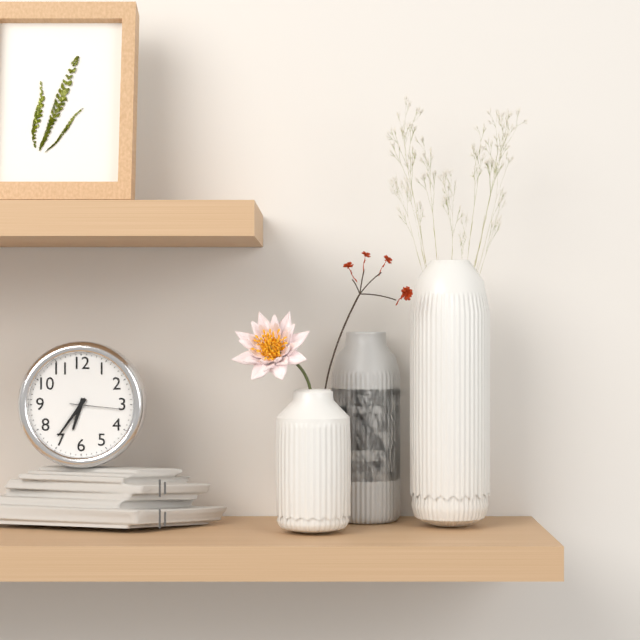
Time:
6:36:16
